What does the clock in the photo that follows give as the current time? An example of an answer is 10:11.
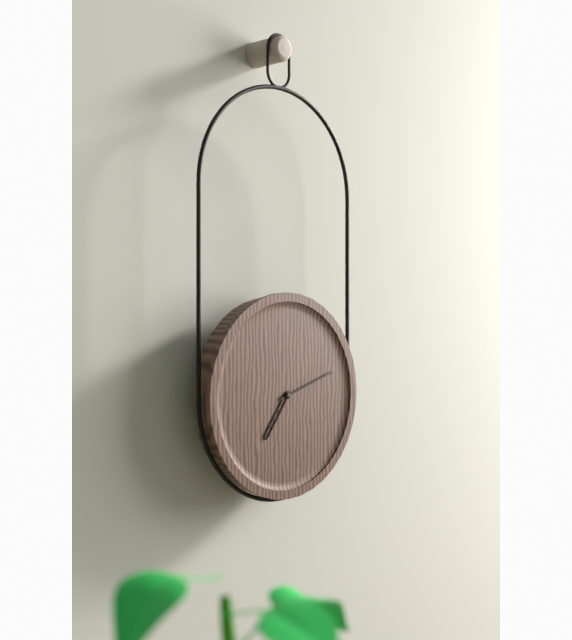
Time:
7:12
